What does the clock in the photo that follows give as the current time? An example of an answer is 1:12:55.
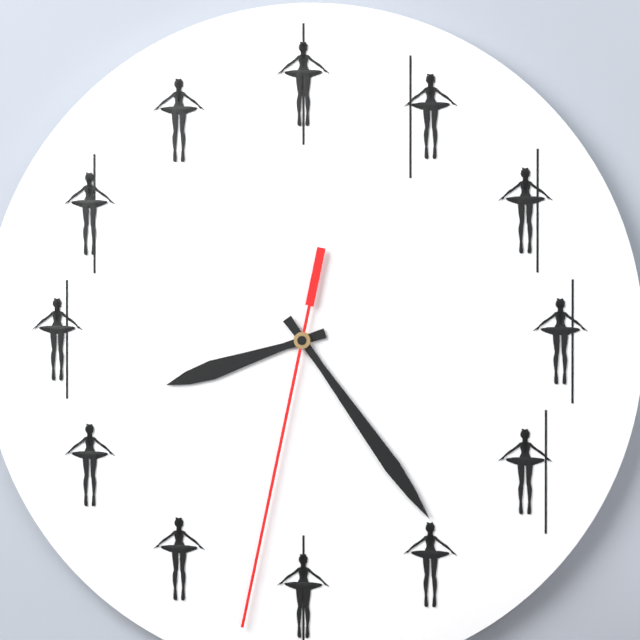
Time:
8:24:32
